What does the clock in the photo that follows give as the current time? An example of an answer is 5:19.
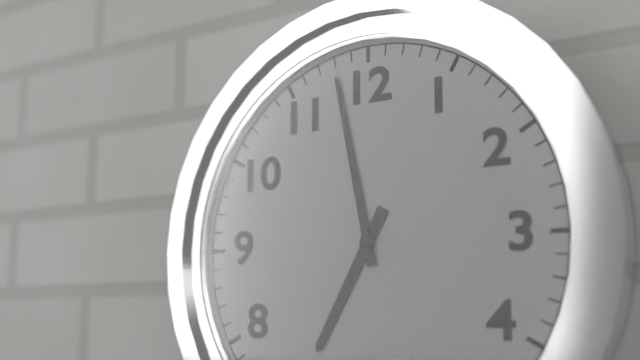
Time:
6:58
